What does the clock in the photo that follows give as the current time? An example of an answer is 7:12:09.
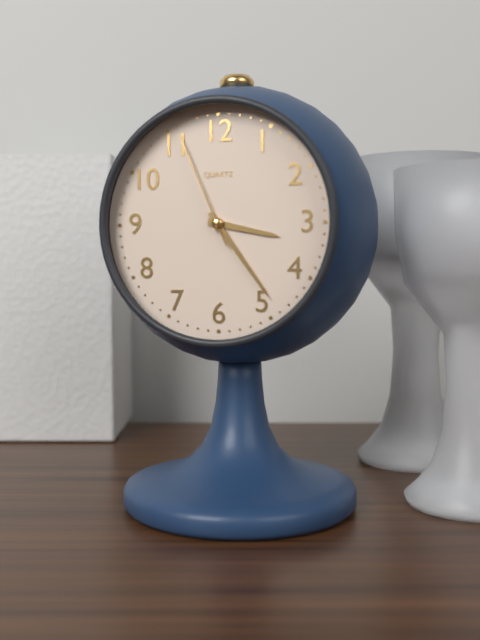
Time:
3:24:56
